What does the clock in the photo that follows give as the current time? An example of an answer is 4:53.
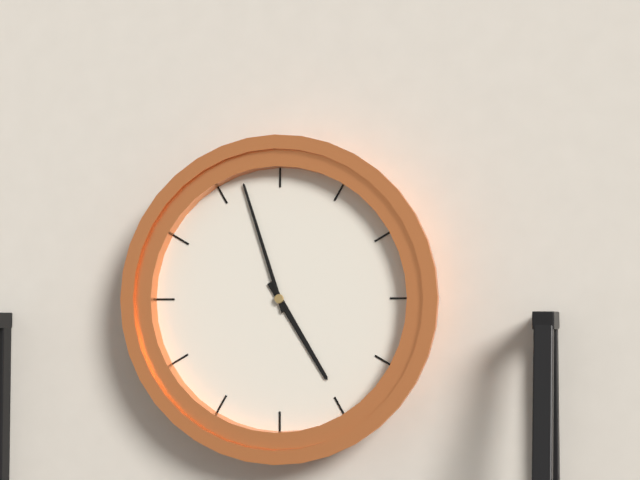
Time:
4:57
